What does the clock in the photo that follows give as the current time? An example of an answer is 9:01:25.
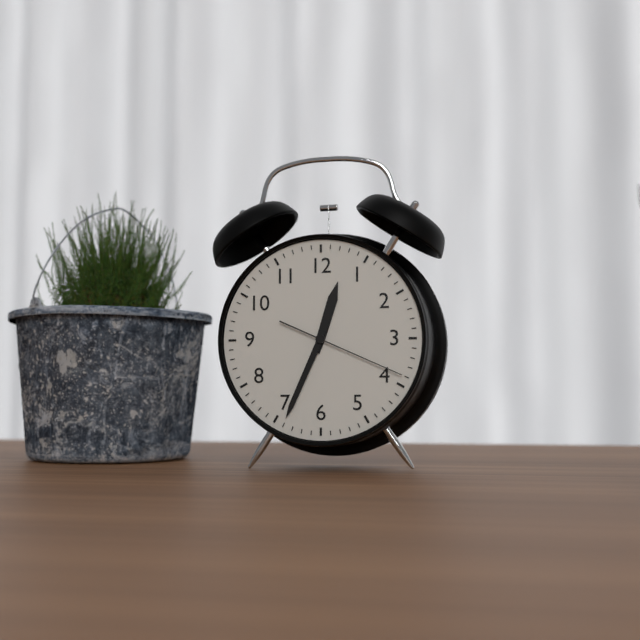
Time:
12:34:19
